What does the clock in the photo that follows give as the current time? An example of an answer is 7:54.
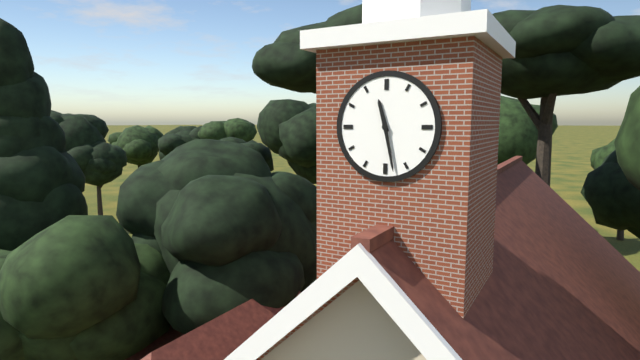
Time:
11:28
